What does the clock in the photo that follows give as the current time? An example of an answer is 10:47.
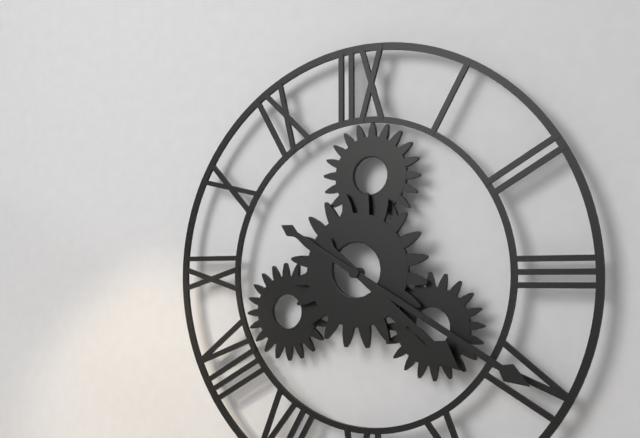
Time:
4:20
